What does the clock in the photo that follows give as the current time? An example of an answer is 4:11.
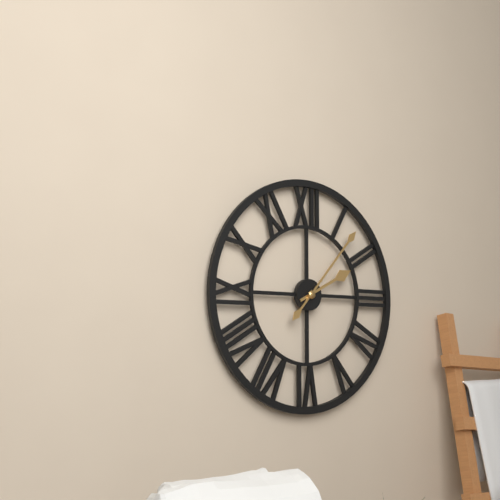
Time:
2:07
